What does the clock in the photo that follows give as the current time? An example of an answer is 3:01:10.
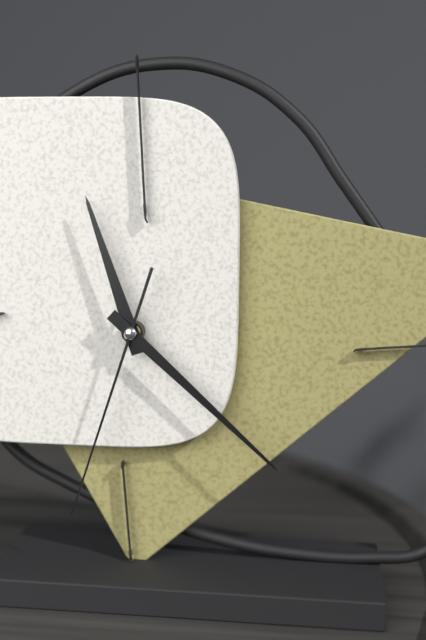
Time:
11:22:33
